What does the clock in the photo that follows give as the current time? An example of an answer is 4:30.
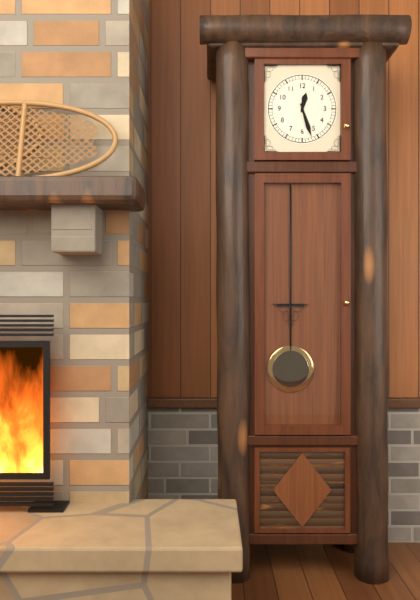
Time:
12:27
